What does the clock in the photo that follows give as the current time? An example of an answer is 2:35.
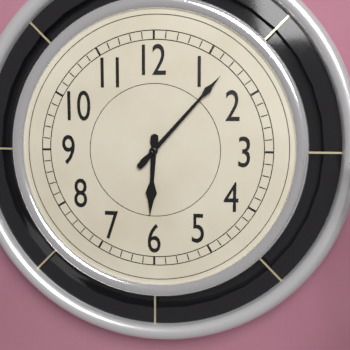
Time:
6:07
